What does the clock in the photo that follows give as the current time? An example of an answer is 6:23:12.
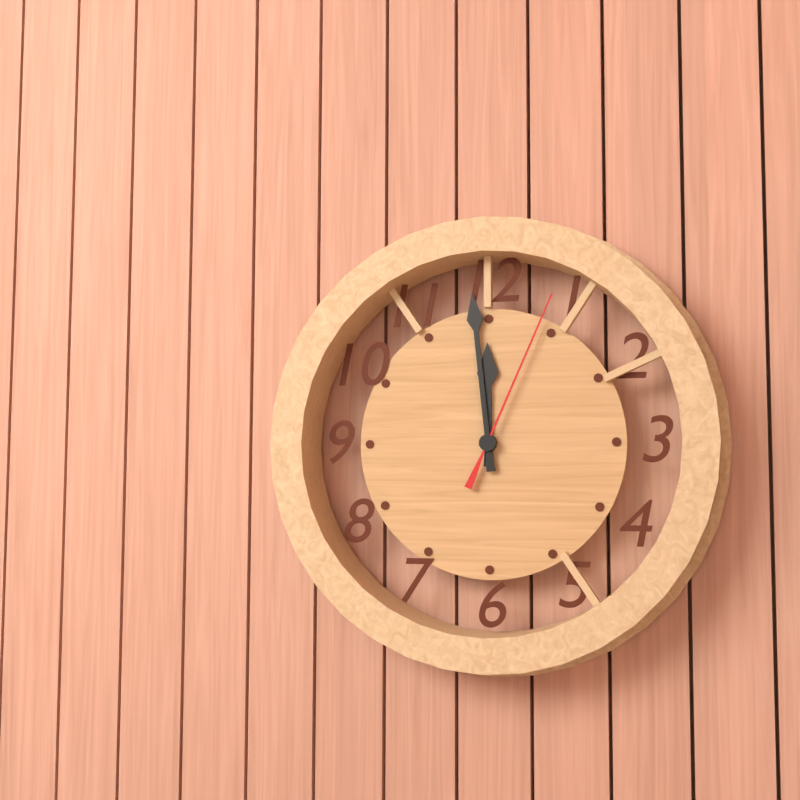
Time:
11:59:04
